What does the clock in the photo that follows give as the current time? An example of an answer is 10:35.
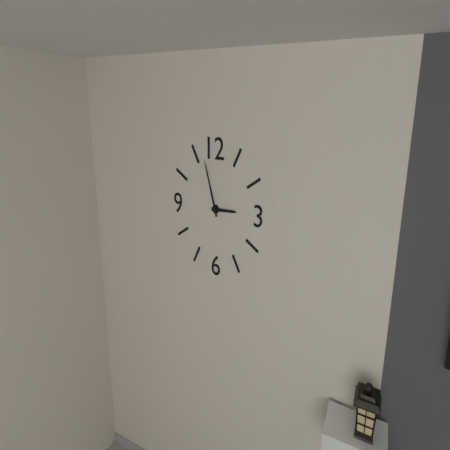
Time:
2:57
